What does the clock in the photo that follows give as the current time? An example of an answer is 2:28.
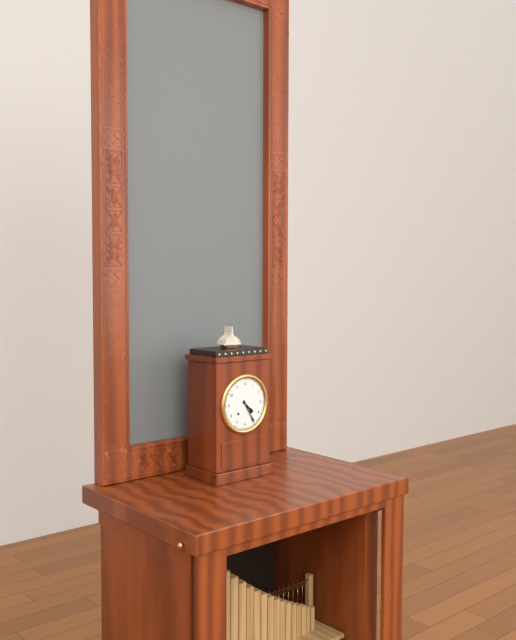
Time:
4:25
